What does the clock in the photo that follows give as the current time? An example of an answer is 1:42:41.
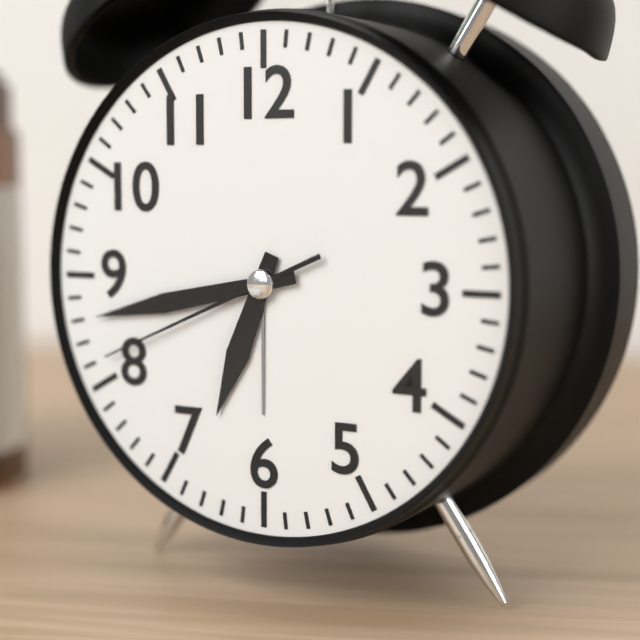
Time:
6:43:41
